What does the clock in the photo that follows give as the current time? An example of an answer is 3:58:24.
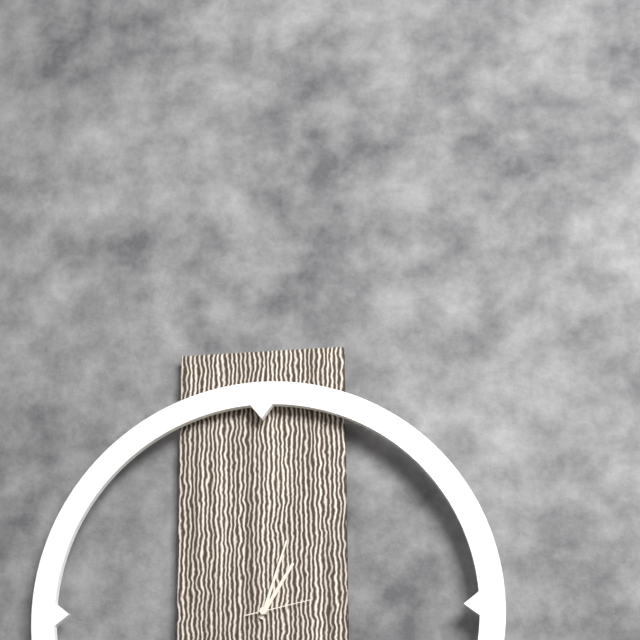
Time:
1:03:13
